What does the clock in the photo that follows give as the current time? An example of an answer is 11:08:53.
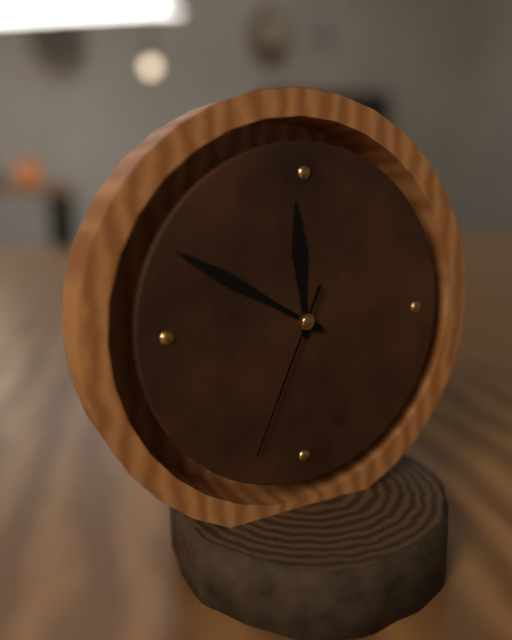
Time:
11:50:34
